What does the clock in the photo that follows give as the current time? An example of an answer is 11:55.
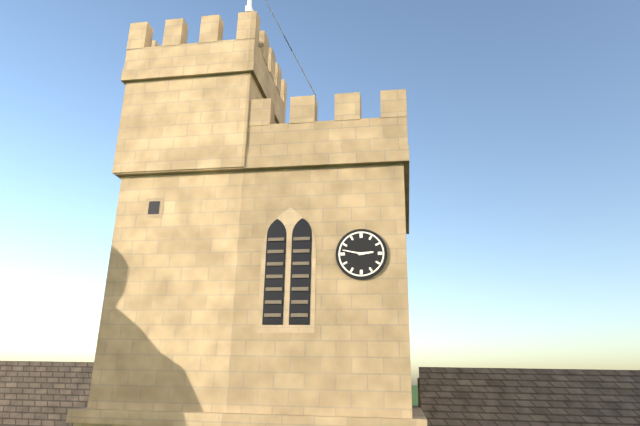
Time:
2:47
